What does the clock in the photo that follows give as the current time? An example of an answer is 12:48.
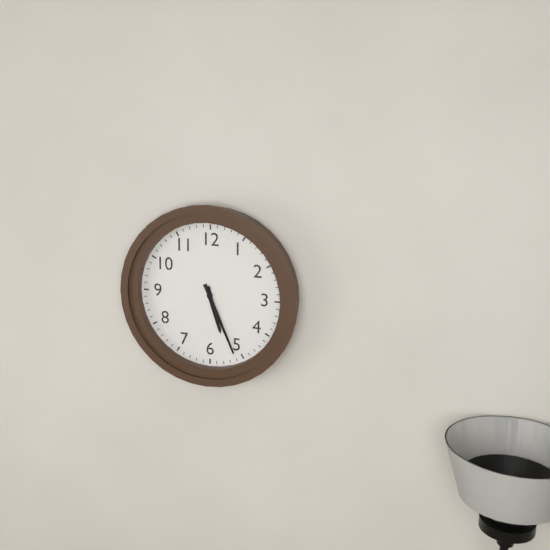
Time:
5:26
